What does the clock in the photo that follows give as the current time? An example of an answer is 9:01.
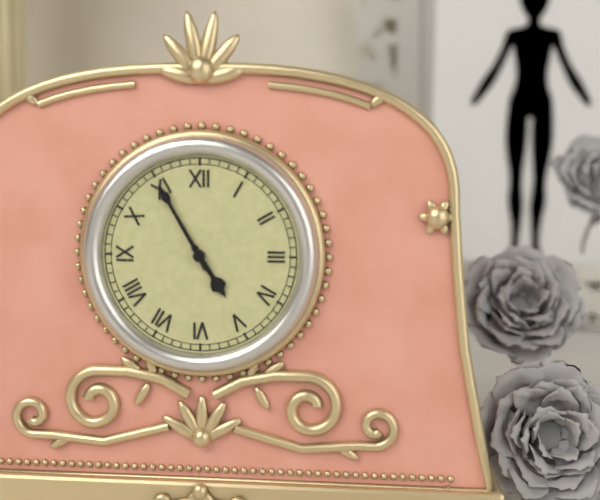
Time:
4:55
